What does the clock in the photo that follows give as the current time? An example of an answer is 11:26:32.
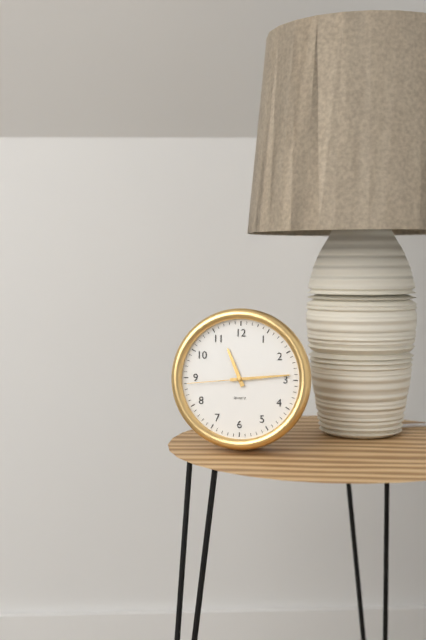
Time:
11:14:44
